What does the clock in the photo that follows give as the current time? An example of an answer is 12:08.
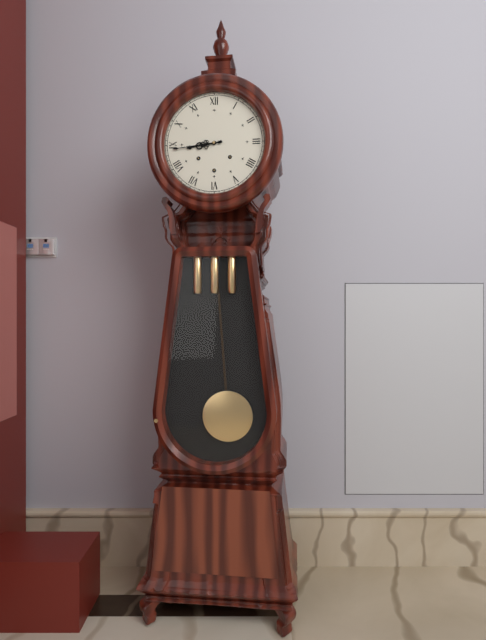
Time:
8:44
